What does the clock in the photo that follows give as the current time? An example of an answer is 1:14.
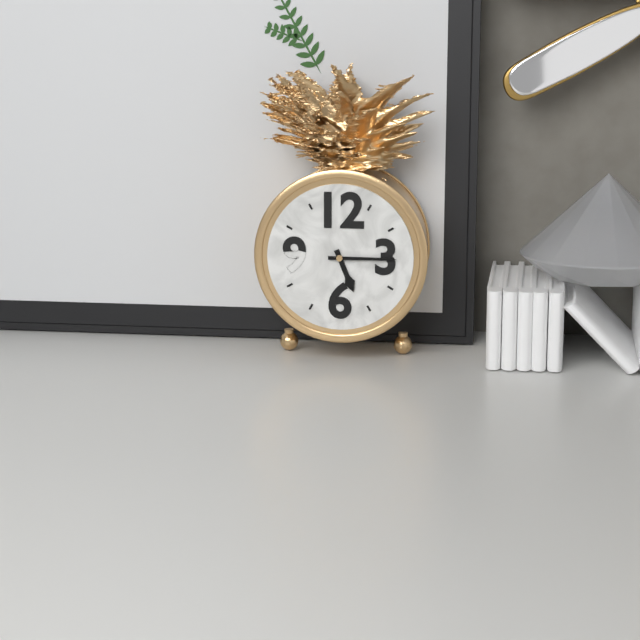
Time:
5:15
